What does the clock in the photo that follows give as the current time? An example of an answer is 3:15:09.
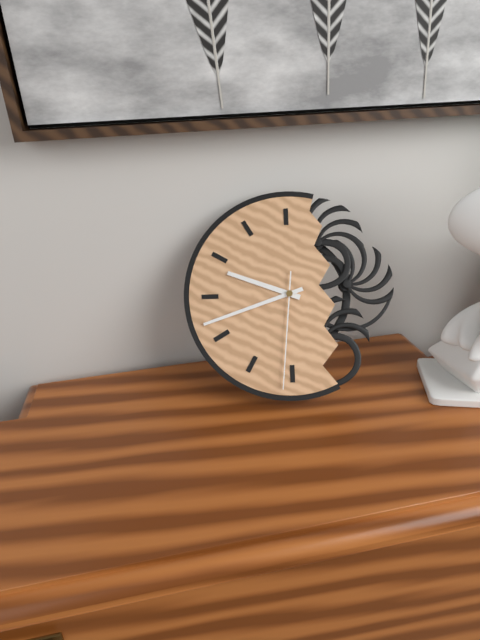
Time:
9:42:31
